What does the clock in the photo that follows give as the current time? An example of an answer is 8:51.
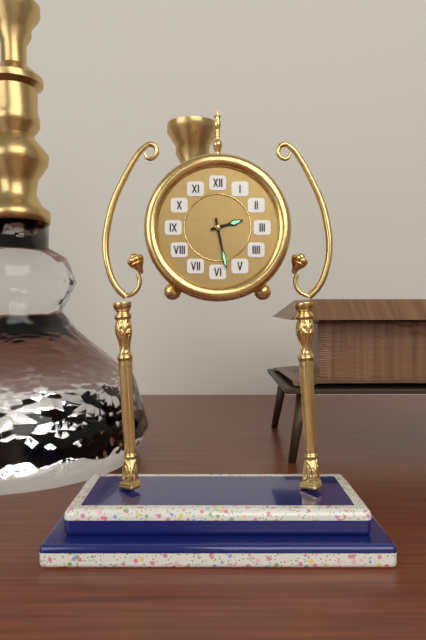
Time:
2:28
